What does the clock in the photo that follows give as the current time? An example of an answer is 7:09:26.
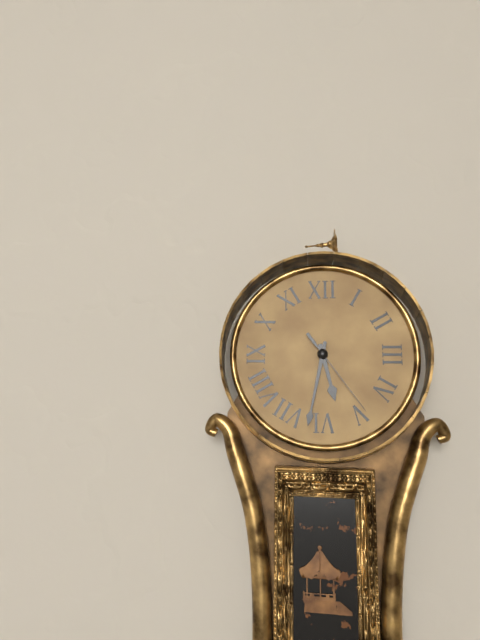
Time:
5:32:24
